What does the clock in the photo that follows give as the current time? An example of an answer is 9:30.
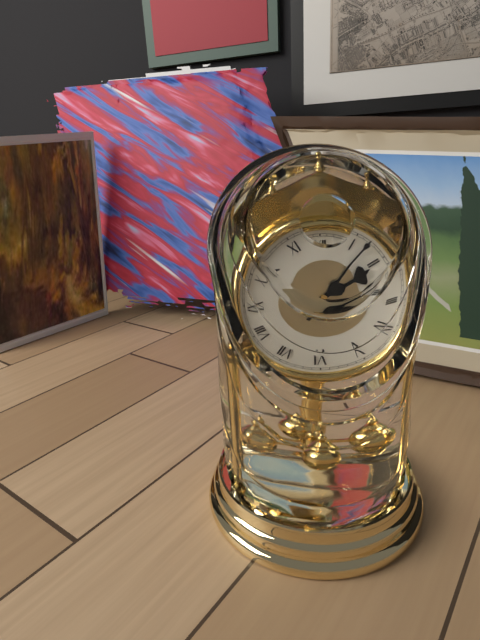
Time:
2:07
